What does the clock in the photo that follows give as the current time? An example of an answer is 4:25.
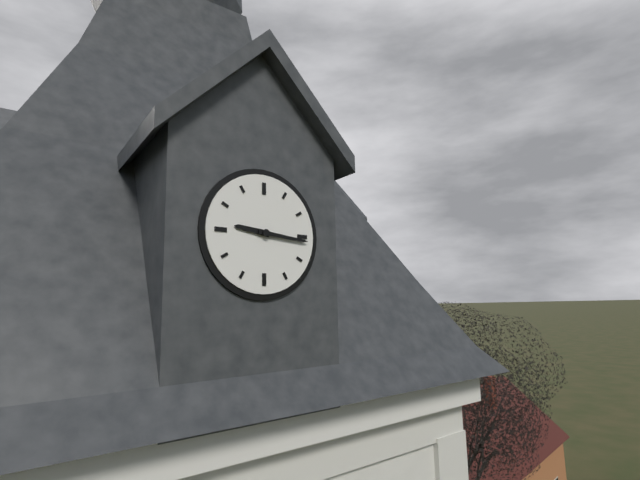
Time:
9:16
